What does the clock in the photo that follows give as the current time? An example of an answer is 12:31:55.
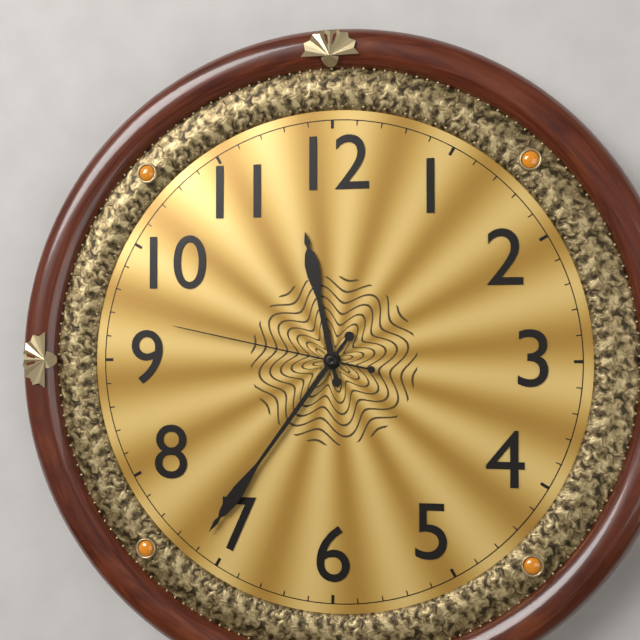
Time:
11:36:47
